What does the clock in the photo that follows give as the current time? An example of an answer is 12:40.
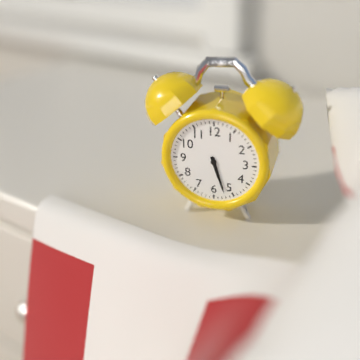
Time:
5:27
